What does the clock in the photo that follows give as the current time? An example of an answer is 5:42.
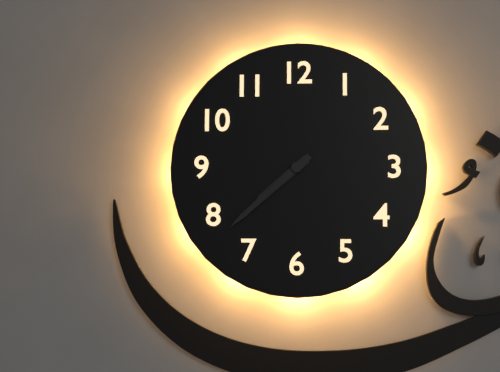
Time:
7:38
